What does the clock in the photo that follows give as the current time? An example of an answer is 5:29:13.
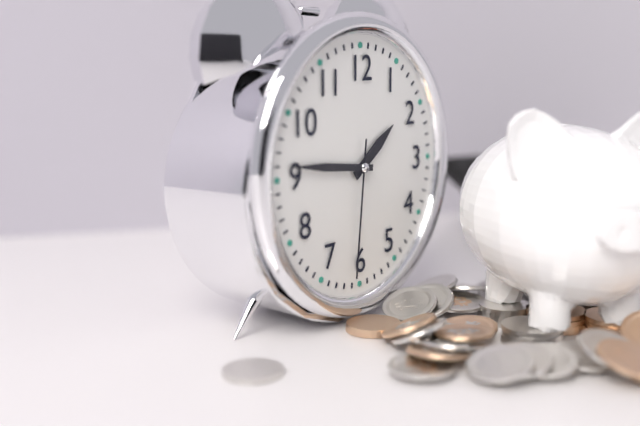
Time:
1:46:31
